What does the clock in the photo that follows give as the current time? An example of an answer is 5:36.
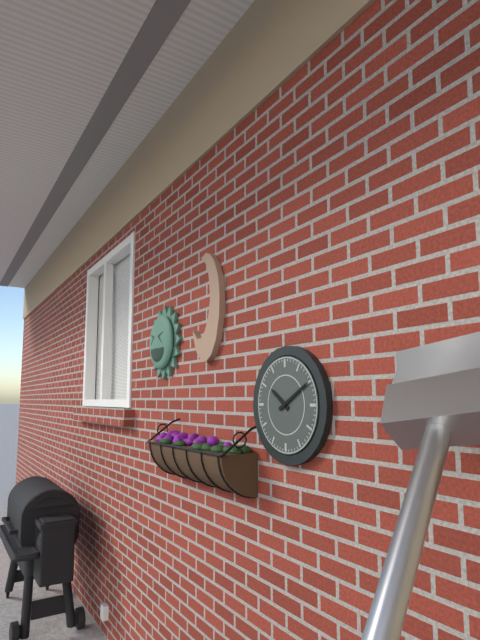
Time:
10:10
